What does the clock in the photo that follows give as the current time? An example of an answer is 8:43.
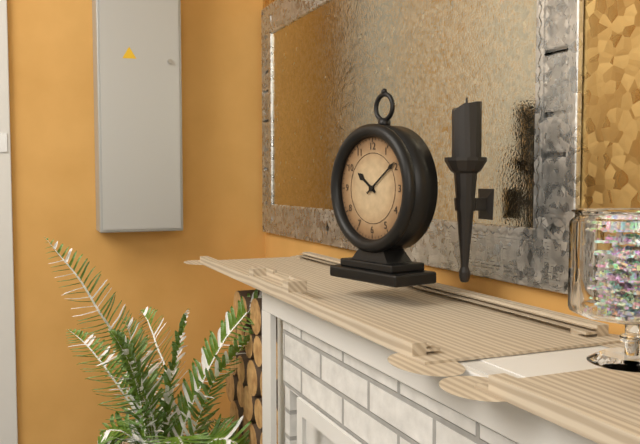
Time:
10:09
